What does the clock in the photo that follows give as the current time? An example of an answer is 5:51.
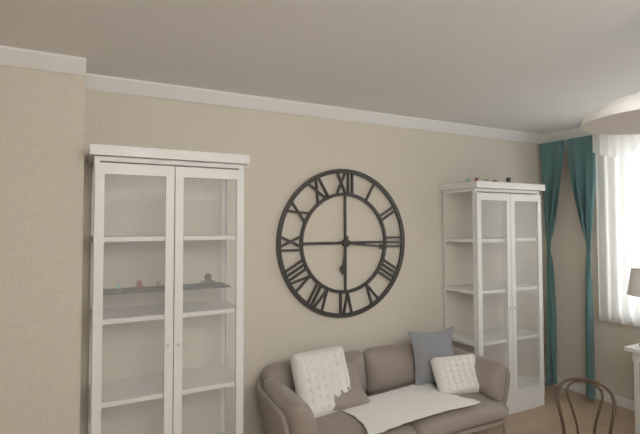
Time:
6:16
